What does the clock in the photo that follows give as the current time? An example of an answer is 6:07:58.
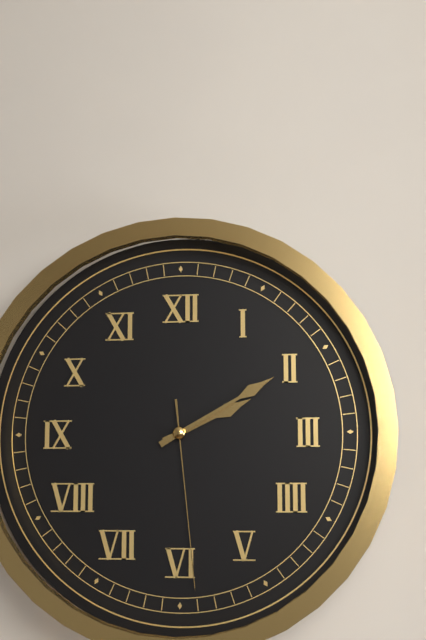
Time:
2:10:29
